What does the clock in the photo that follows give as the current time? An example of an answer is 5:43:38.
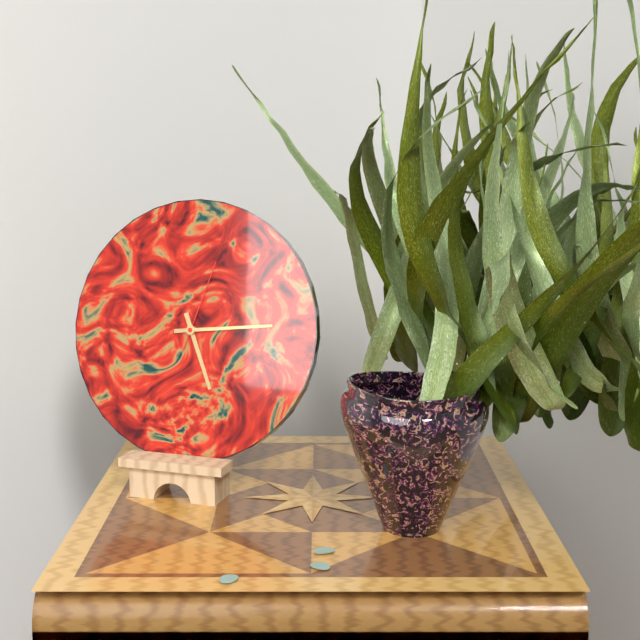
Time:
5:14:03
